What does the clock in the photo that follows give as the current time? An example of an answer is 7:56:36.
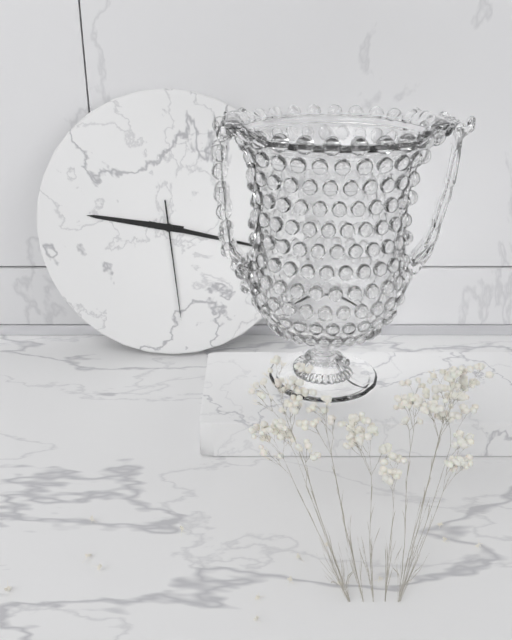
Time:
9:17:29
